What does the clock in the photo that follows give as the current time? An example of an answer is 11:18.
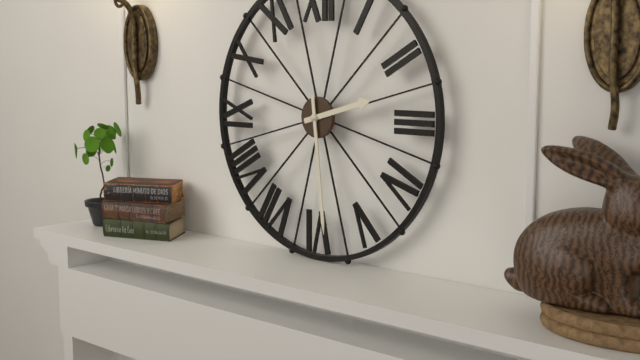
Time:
2:29
